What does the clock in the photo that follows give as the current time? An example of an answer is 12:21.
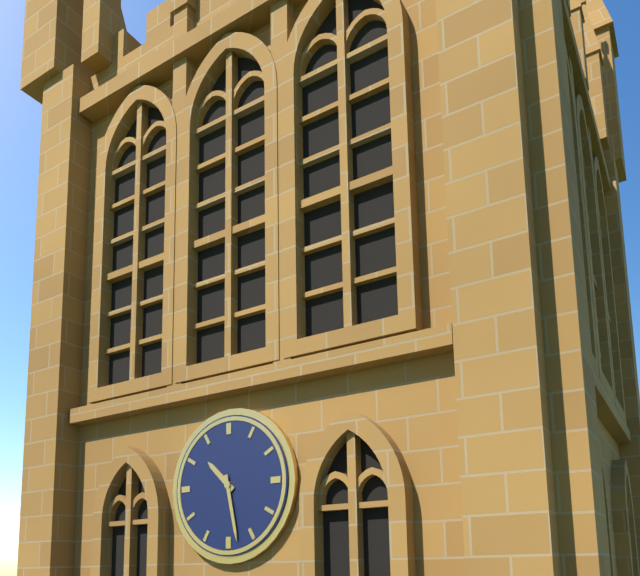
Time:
10:28
